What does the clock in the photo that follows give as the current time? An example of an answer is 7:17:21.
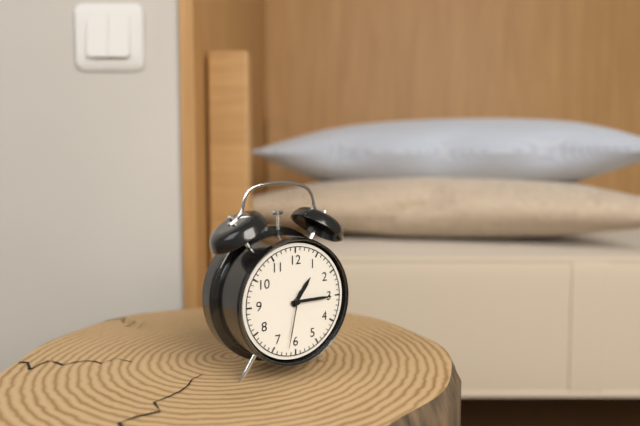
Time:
1:15:32
